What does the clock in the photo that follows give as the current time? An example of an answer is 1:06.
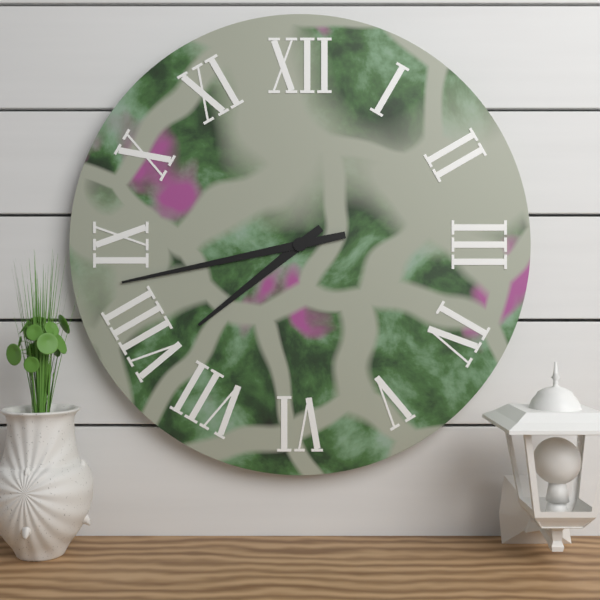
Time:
7:43
